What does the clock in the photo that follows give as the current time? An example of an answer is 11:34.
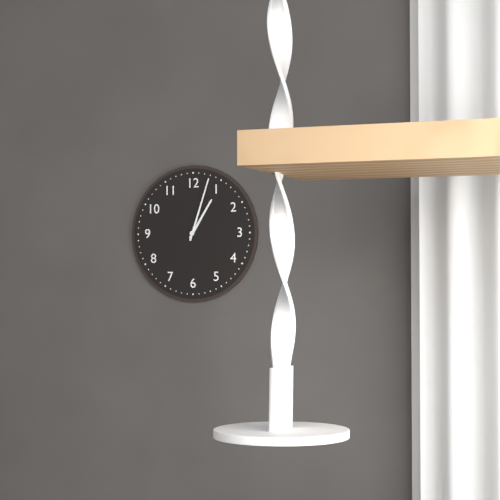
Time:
1:03
